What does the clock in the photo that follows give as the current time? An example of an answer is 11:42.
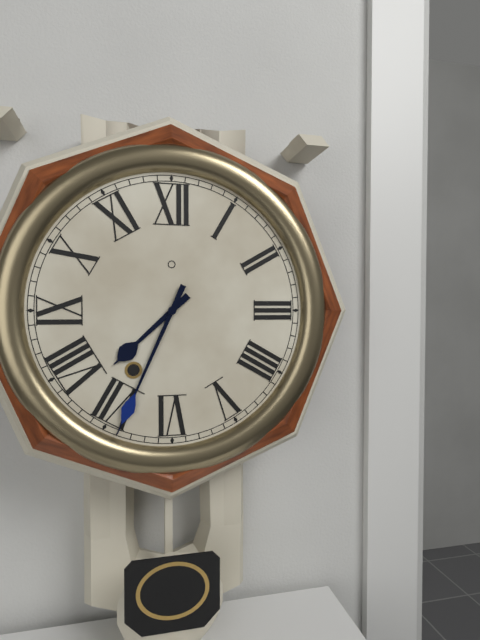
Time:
7:34
